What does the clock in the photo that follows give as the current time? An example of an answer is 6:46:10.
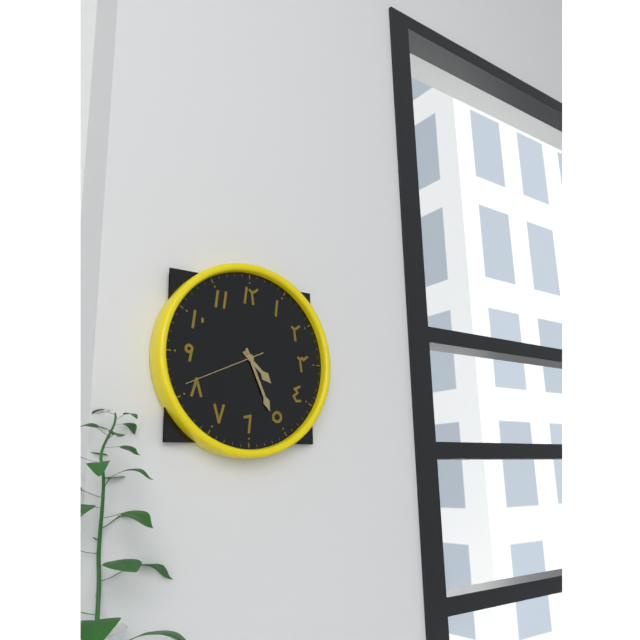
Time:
4:26:41
